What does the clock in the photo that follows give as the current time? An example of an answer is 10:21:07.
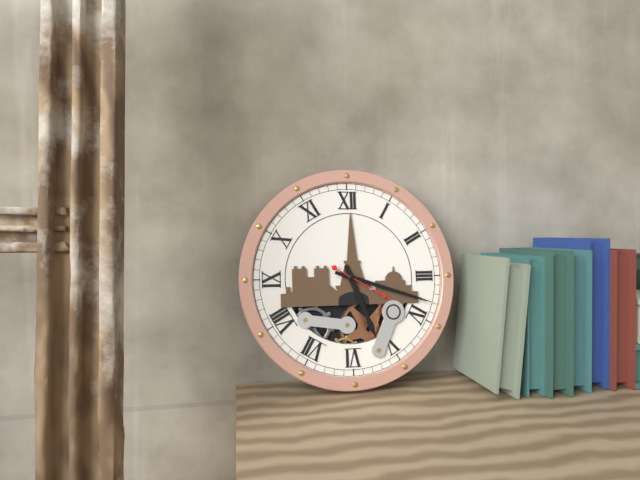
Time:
5:18:20
